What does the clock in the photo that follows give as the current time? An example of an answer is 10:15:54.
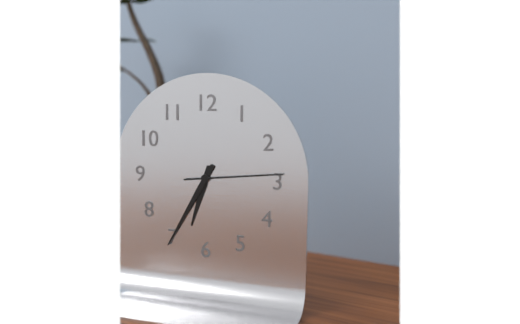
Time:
6:35:14
